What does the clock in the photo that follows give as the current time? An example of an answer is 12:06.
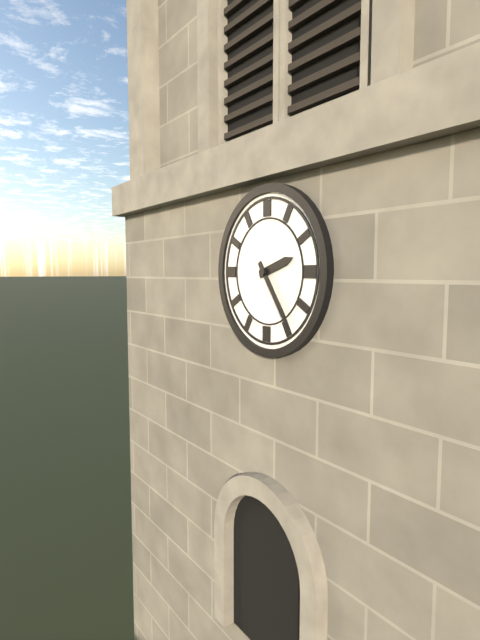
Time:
2:24
